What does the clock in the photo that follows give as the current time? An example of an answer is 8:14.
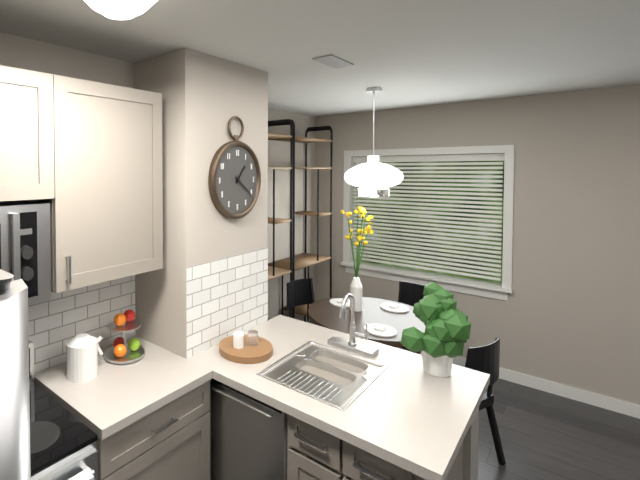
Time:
1:21
